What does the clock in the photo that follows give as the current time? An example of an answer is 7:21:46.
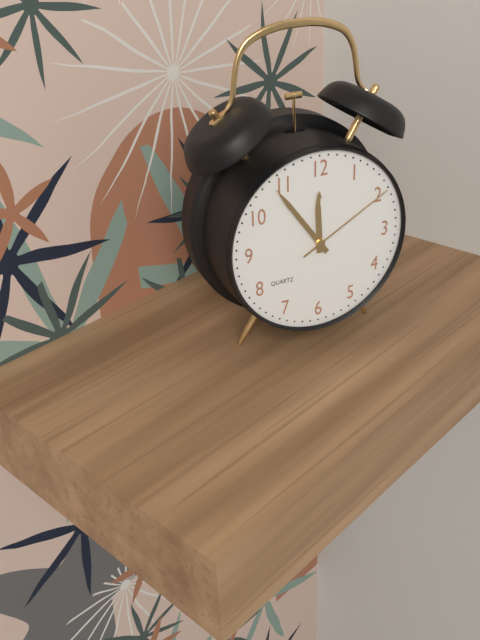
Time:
11:54:10
